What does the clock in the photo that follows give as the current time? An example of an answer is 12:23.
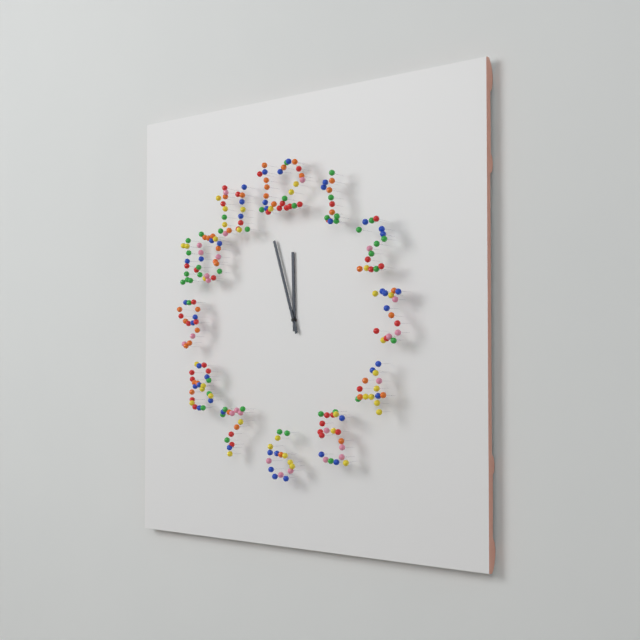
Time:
11:57
